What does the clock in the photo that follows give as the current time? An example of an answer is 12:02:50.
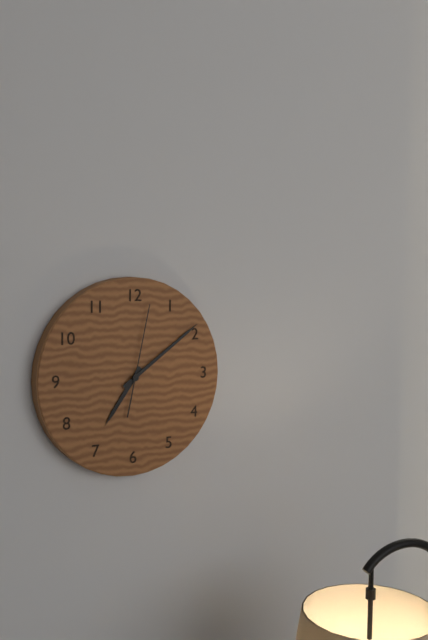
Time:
7:09:02
